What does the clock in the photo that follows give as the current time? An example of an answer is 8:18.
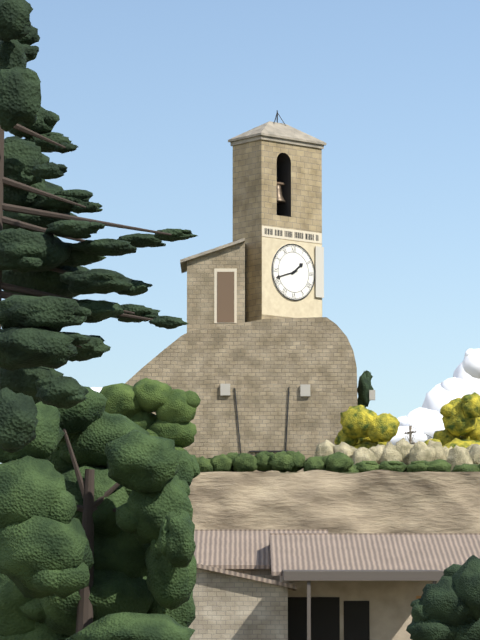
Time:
1:42
